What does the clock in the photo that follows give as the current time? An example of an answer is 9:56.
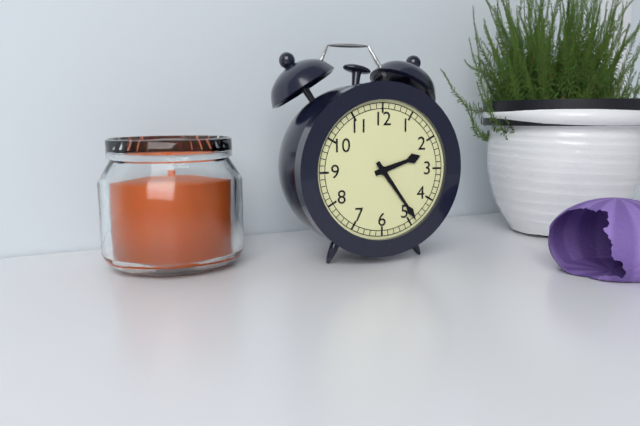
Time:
2:24
